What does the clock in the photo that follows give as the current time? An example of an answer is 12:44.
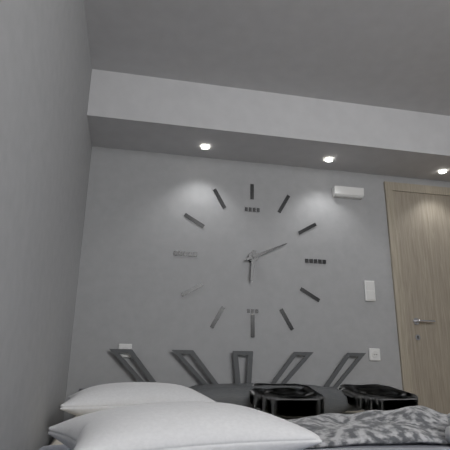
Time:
6:11
